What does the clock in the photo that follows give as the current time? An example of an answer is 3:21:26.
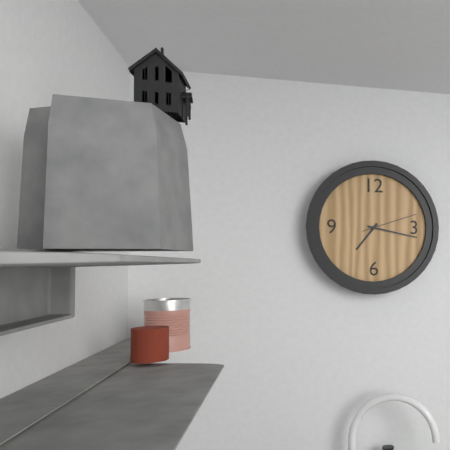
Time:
7:17:12
